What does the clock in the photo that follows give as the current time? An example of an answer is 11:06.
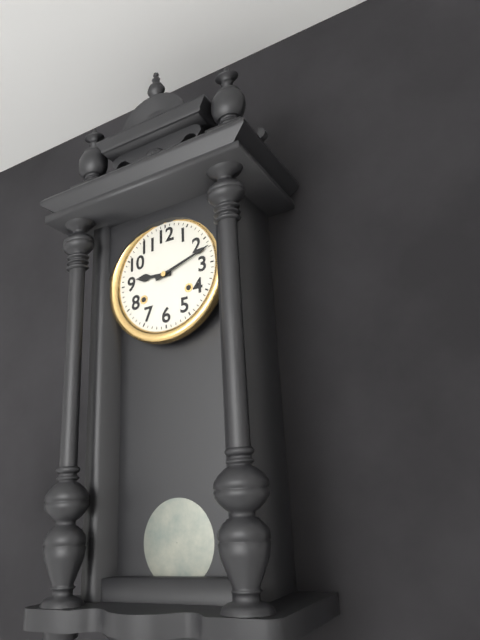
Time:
9:12
